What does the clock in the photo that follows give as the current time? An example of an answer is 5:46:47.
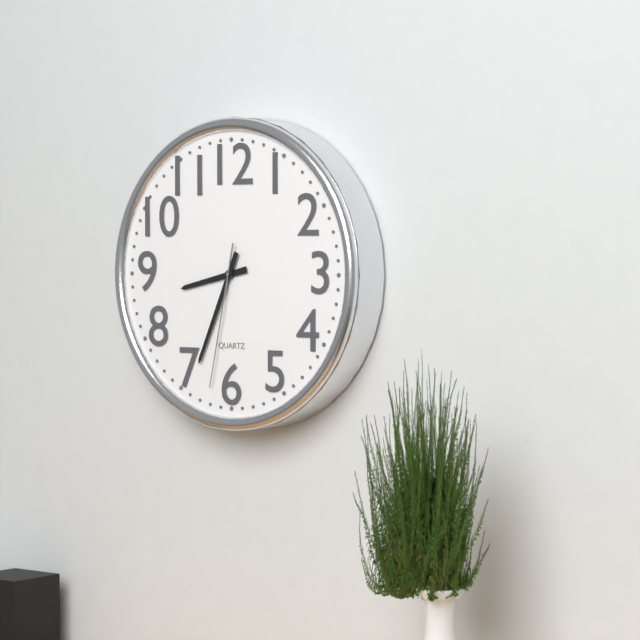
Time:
8:34:32
